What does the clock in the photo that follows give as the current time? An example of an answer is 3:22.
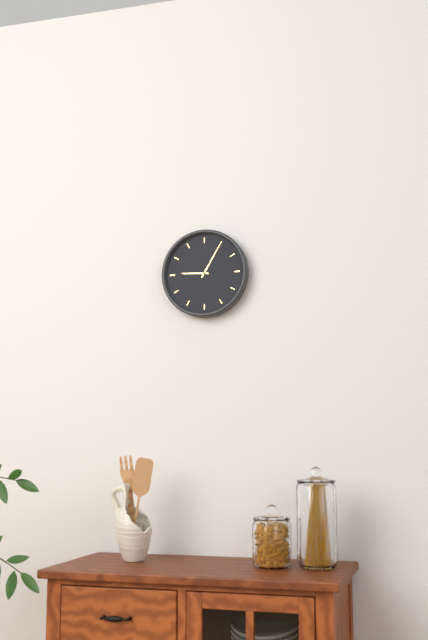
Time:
9:05
